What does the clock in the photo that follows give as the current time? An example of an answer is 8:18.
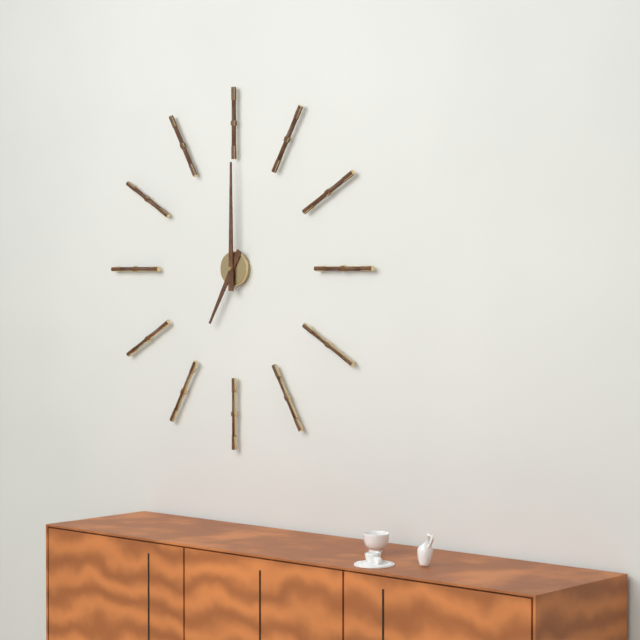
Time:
7:00
